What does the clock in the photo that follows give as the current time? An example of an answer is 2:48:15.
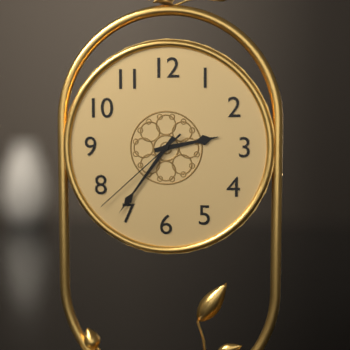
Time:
2:36:38
